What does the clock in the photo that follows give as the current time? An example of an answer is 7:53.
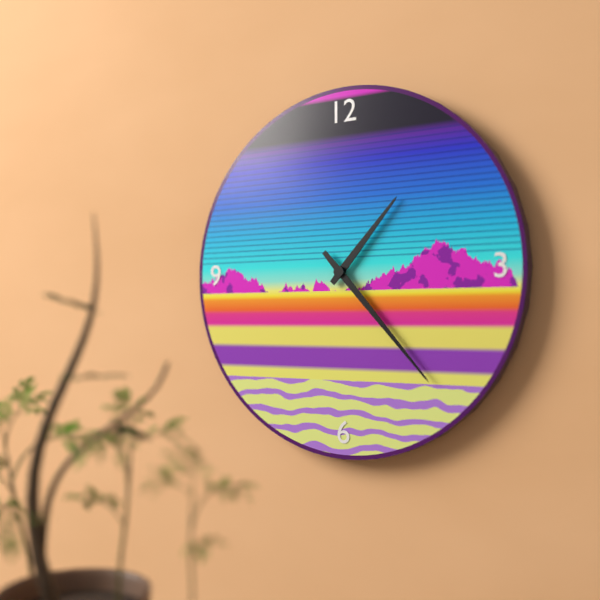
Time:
1:23
